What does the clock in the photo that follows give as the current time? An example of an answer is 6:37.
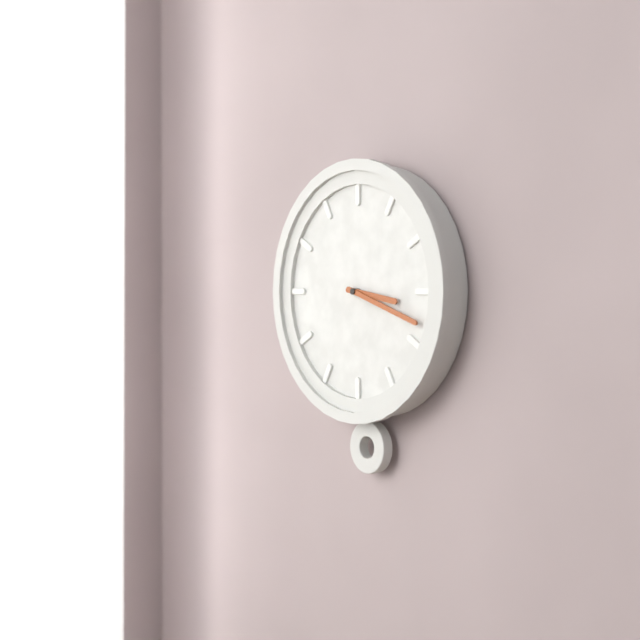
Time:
3:18
